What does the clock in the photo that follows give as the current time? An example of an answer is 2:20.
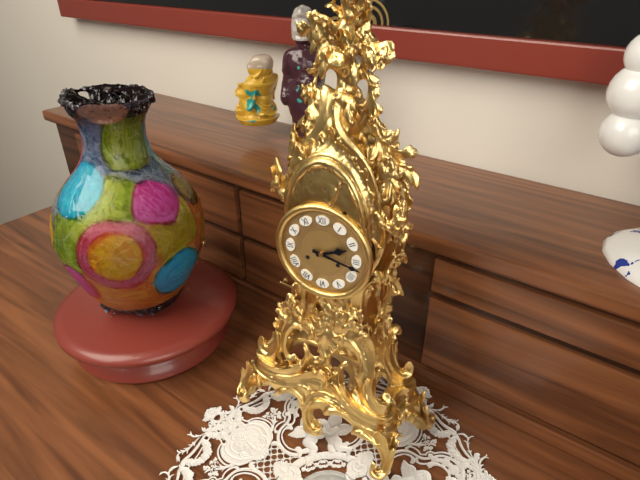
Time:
2:17
